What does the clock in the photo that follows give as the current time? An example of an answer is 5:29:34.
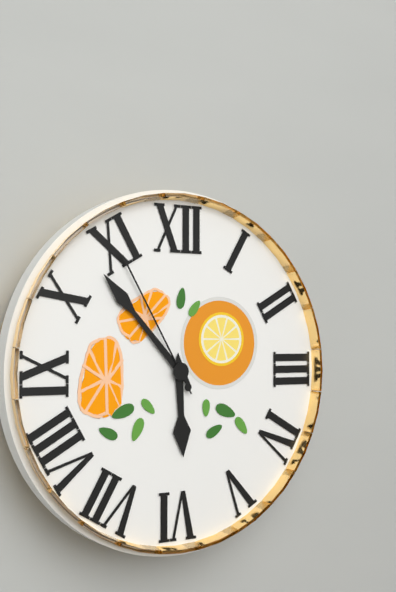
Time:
5:53:55
